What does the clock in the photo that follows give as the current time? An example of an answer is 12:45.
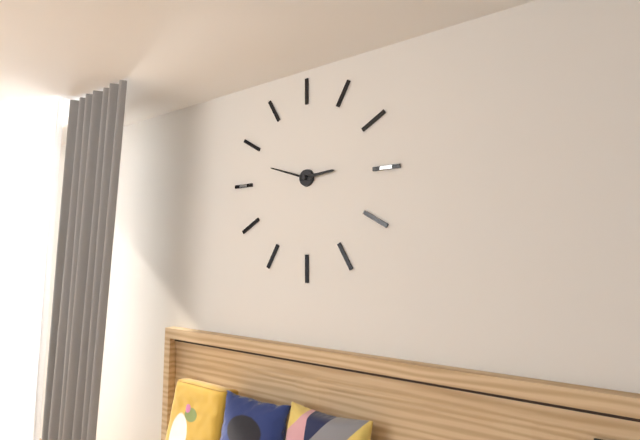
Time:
2:48
